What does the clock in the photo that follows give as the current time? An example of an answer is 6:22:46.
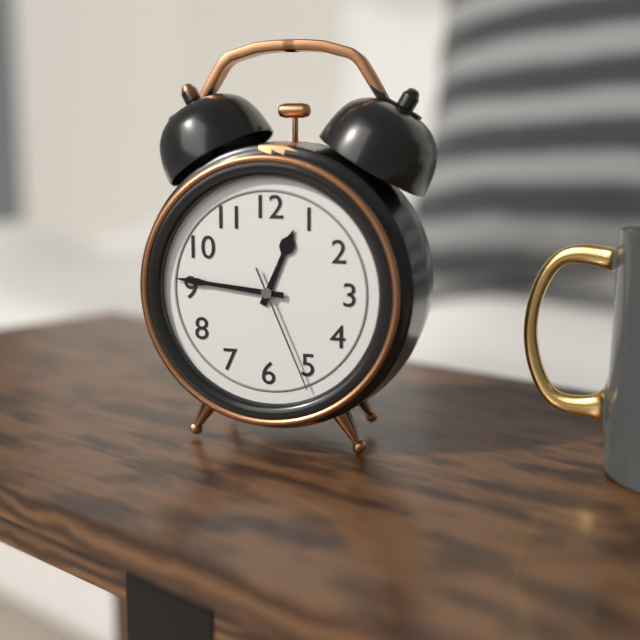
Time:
12:46:26
